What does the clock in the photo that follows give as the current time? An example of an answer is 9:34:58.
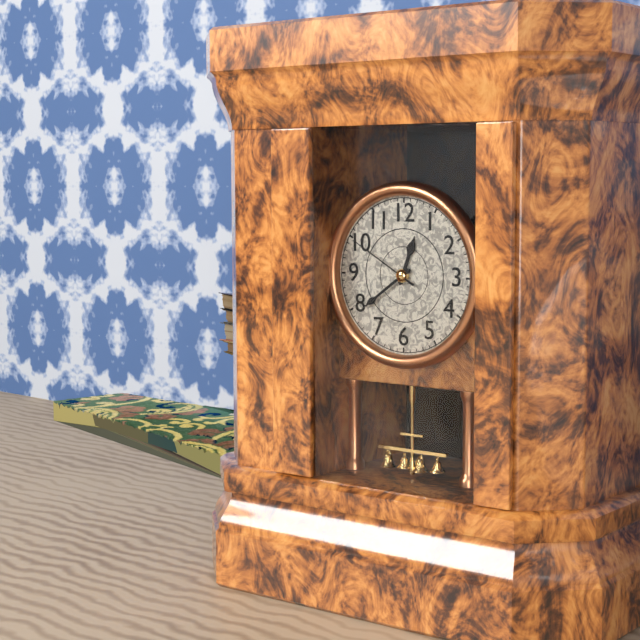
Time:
12:39:50
